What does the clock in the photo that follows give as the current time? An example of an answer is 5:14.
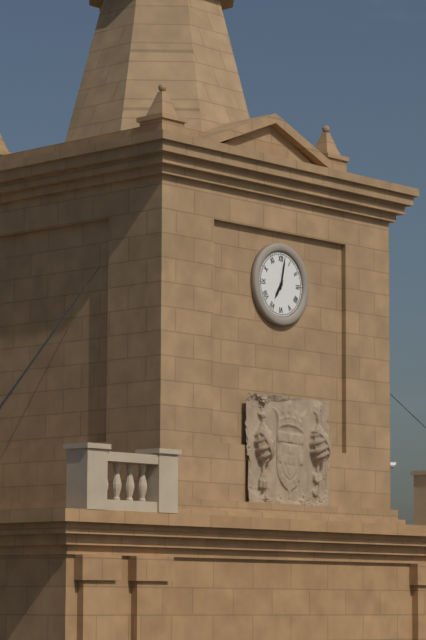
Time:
7:02
